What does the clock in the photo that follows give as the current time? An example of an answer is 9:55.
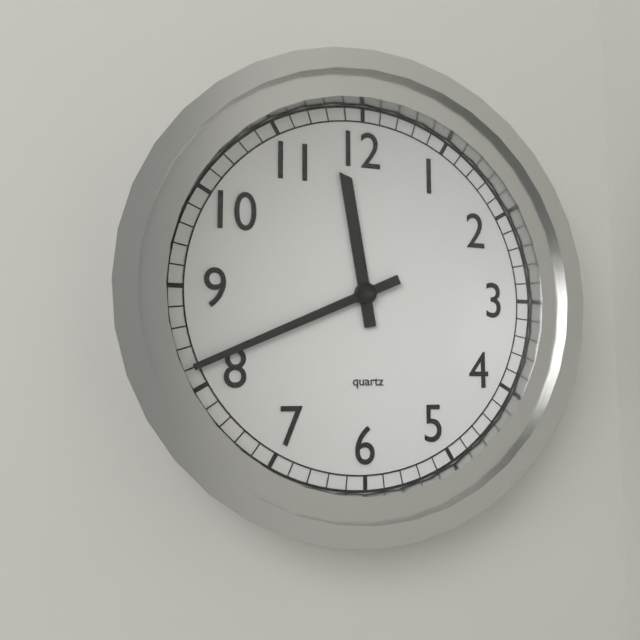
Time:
11:41
